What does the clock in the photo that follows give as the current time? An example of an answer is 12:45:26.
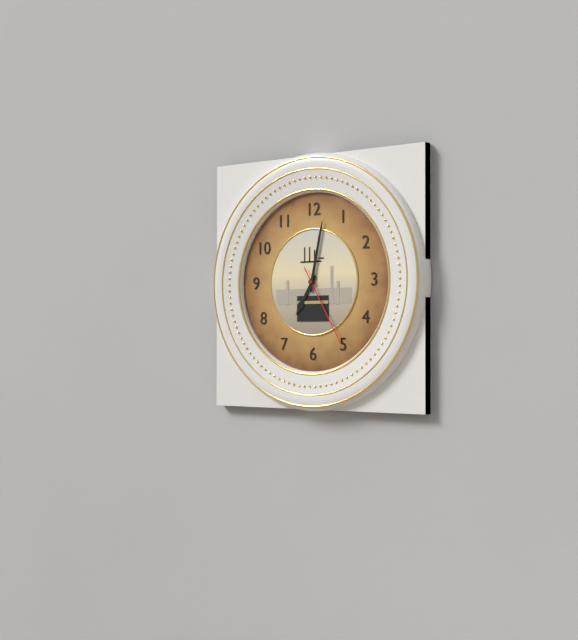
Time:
7:02:25
